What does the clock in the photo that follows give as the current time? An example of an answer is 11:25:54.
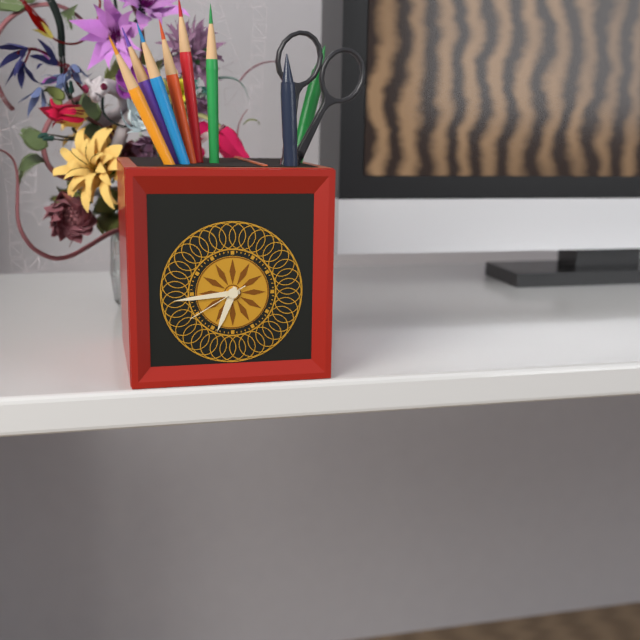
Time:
6:44:40
